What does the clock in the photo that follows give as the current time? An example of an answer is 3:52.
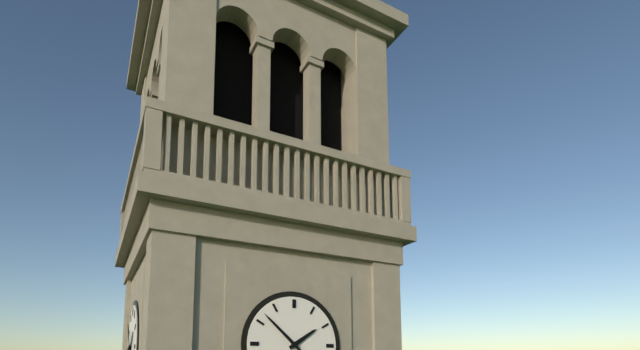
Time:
1:52
